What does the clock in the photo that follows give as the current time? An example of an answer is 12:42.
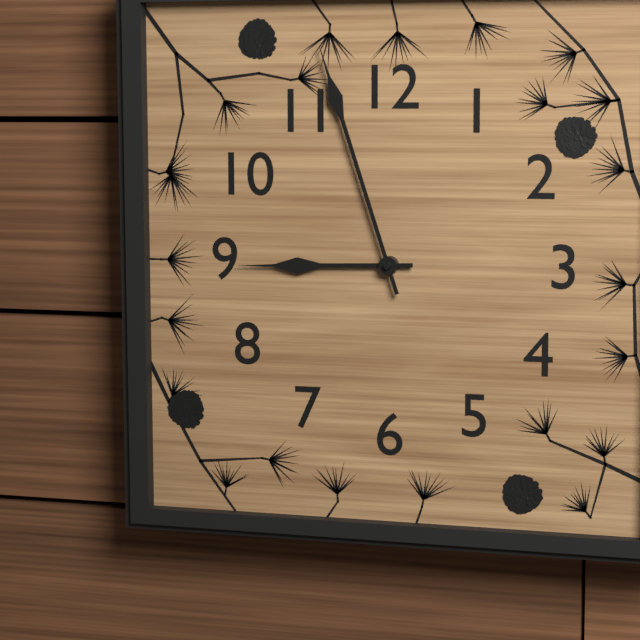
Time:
8:57
